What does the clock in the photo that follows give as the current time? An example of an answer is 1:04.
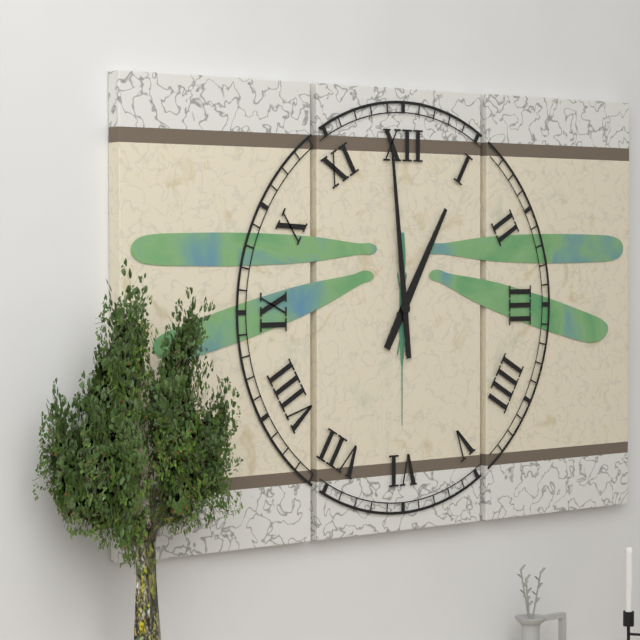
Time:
12:59
